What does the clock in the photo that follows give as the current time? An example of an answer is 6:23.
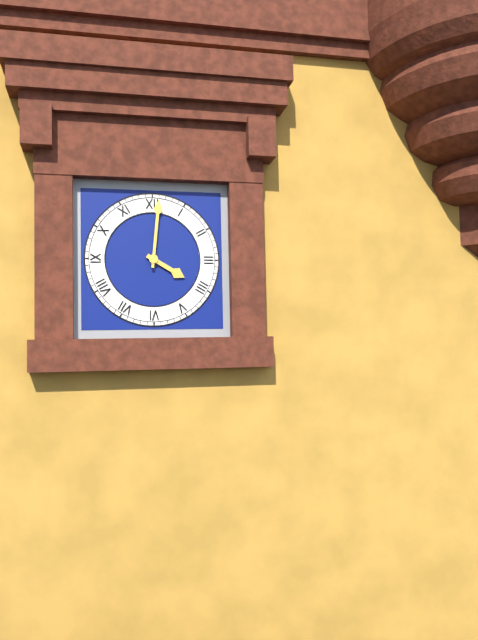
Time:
4:01
